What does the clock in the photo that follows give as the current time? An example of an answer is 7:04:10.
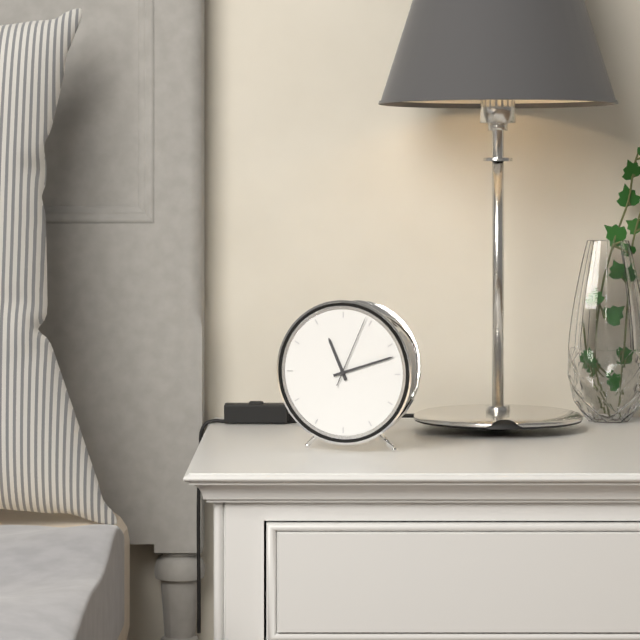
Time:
11:12:04
